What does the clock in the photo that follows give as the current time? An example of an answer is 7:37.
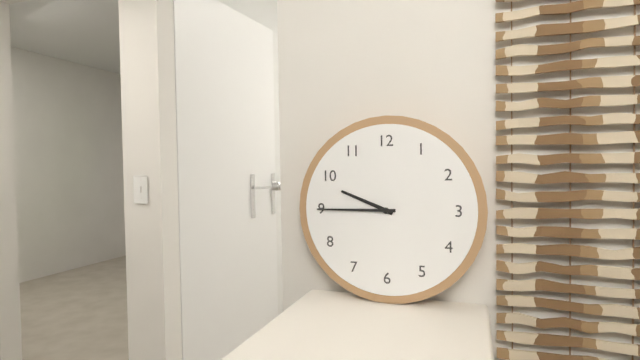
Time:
9:45
